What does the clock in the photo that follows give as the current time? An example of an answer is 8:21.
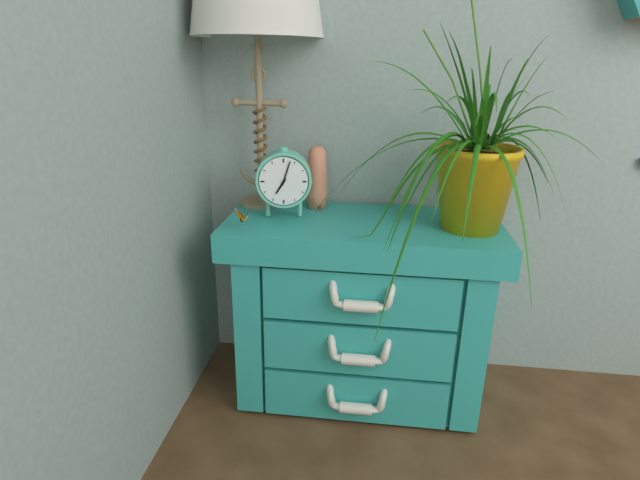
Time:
7:03
